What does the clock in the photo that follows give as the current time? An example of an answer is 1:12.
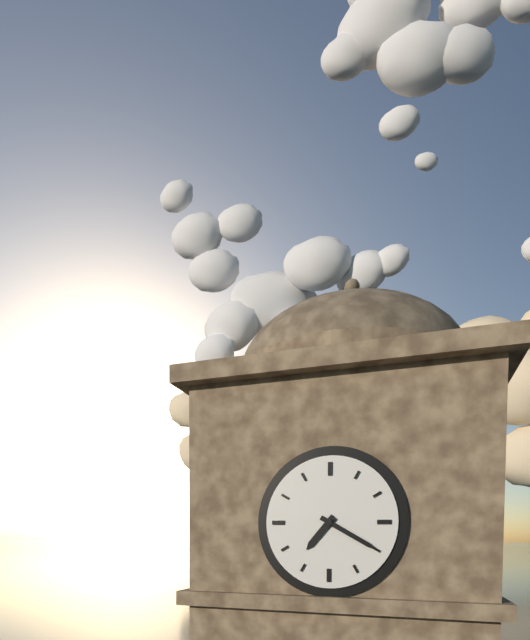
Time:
7:20
